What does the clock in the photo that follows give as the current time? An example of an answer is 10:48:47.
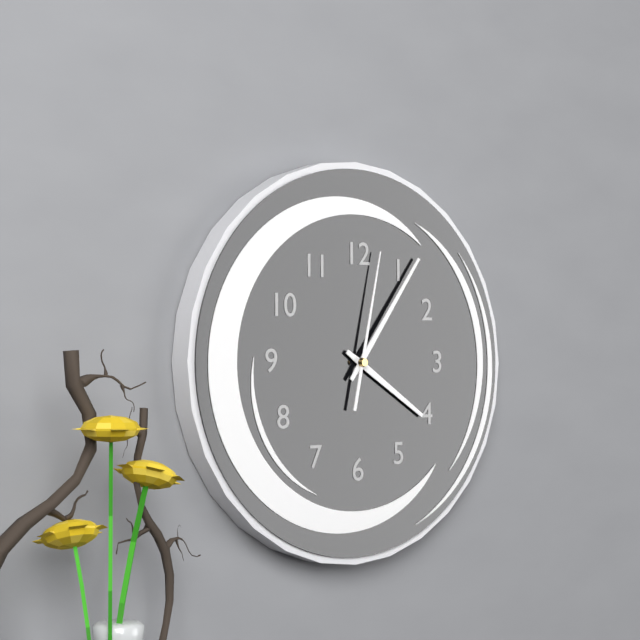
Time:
4:06:02
